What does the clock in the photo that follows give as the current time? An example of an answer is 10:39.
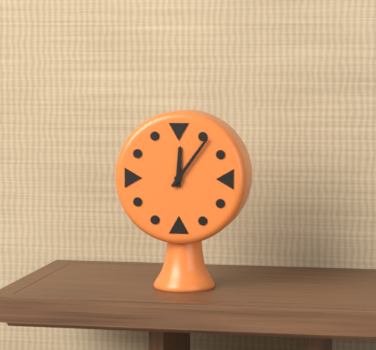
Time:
12:06
